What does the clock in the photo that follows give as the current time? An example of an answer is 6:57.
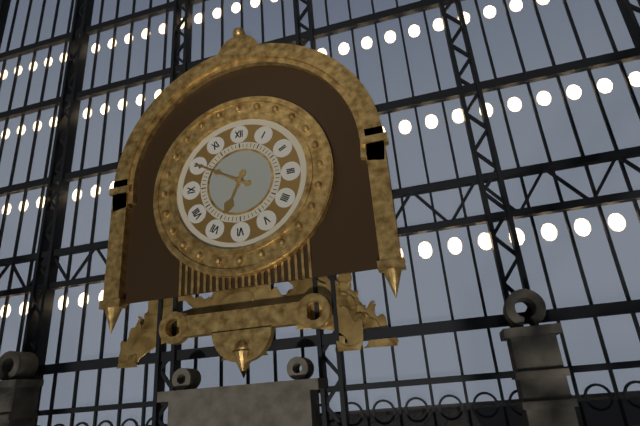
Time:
6:50
